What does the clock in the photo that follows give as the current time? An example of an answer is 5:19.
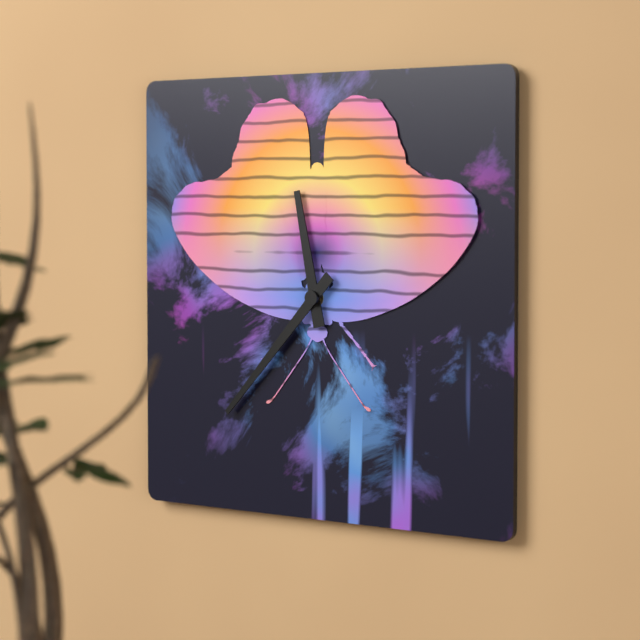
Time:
11:37
